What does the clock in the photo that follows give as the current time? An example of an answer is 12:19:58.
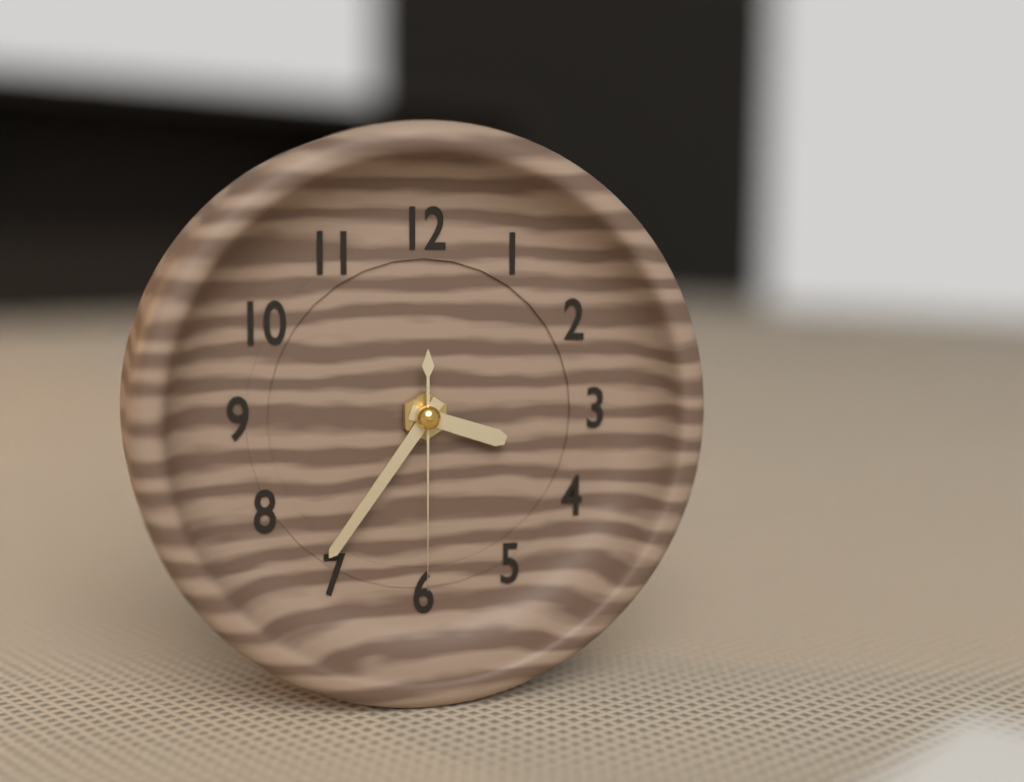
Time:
3:36:30
